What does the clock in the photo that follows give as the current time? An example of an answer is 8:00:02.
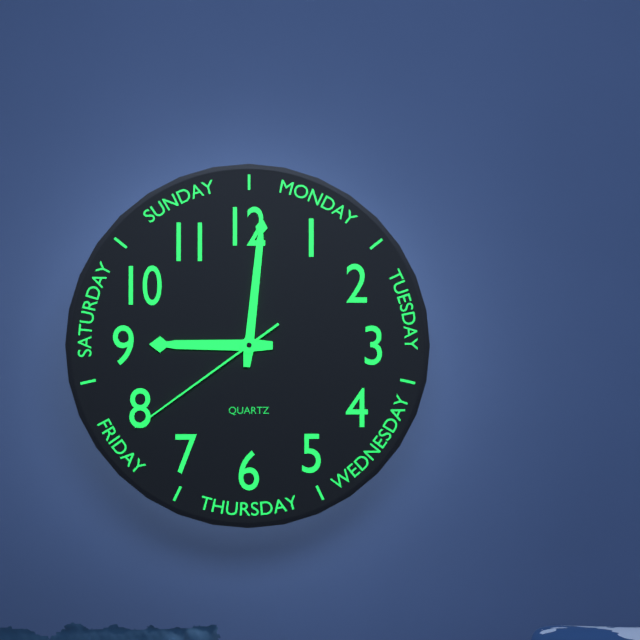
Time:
9:01:39
